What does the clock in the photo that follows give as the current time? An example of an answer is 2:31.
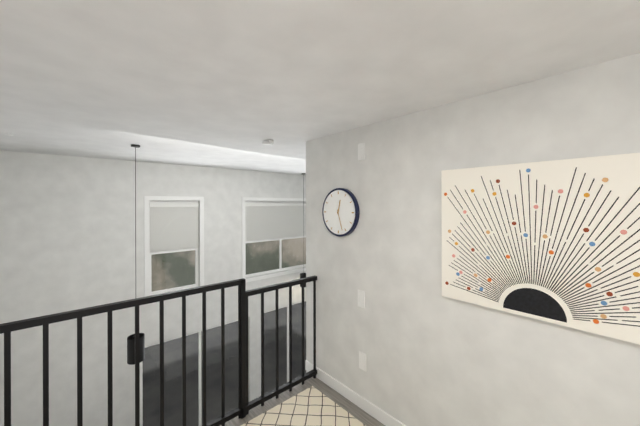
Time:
12:27
